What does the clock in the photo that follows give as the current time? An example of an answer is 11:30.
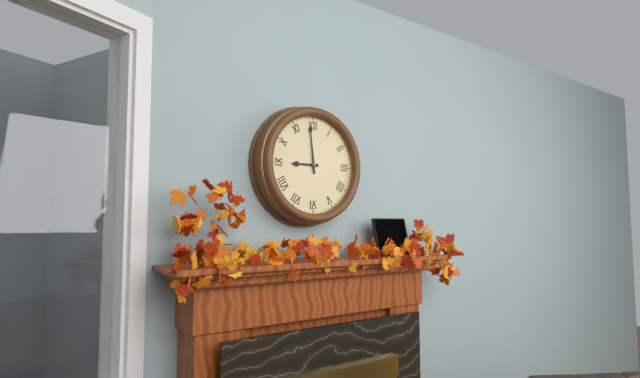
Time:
8:59
